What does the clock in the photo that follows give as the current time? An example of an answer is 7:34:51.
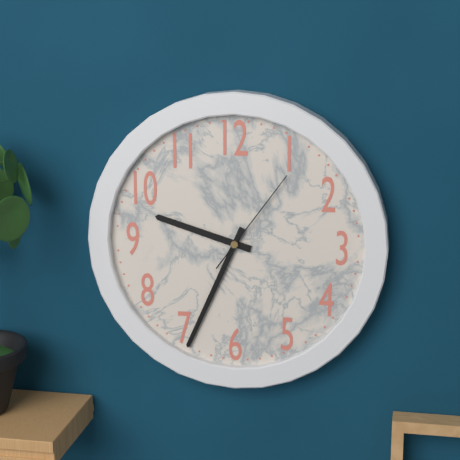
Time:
9:34:06
